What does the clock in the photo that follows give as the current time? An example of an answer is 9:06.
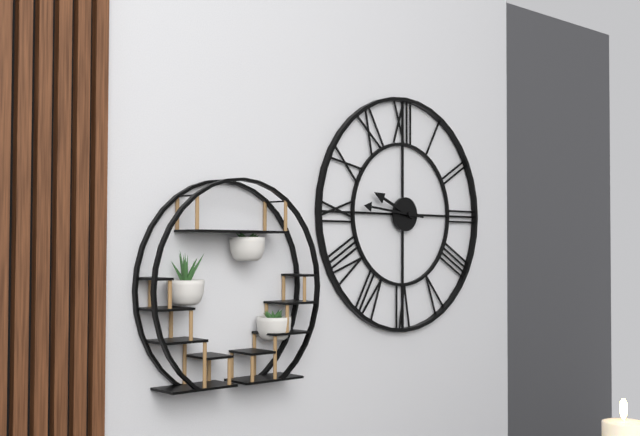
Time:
9:46
